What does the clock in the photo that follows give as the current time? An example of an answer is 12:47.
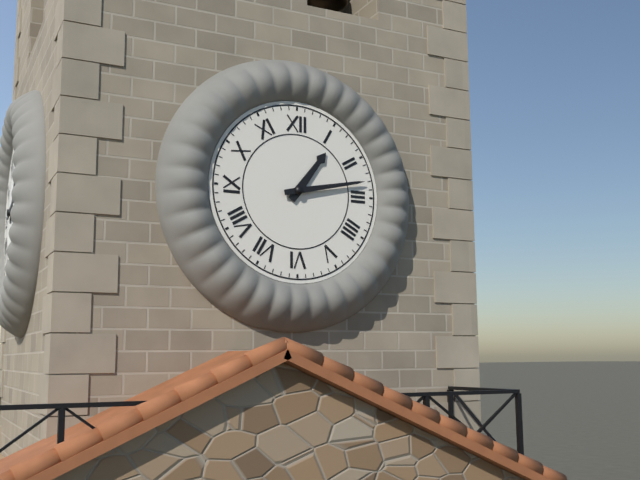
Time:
1:13
